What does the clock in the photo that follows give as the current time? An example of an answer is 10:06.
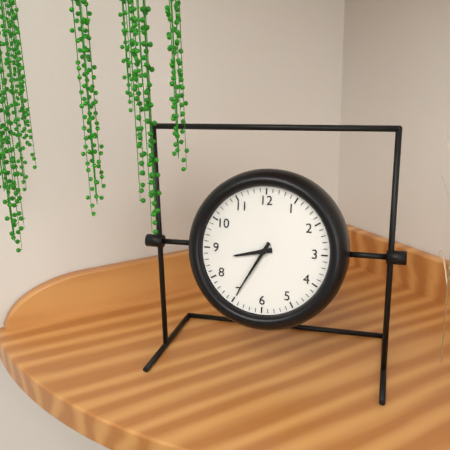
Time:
8:35
